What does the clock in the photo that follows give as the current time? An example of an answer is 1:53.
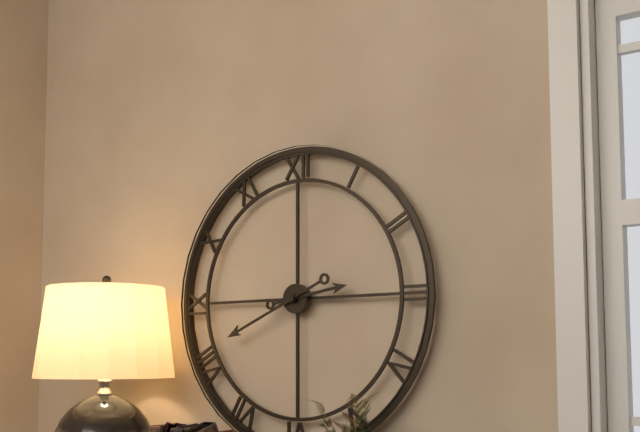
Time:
2:41
